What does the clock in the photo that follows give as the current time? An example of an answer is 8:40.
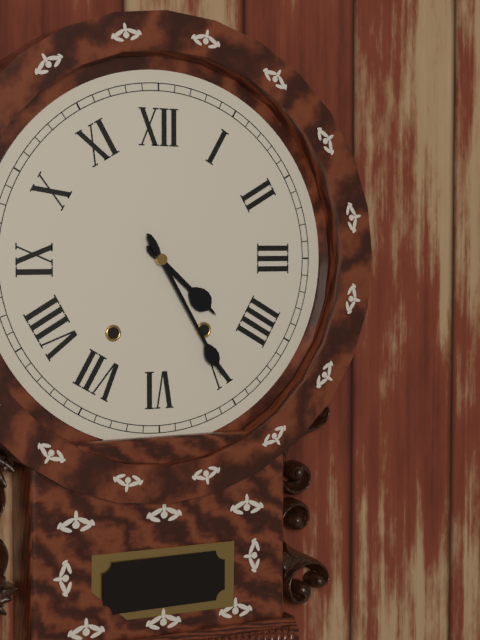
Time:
4:25
